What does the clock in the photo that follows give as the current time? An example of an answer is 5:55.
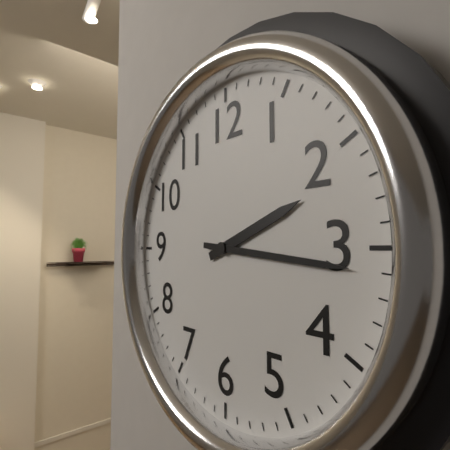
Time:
2:16
